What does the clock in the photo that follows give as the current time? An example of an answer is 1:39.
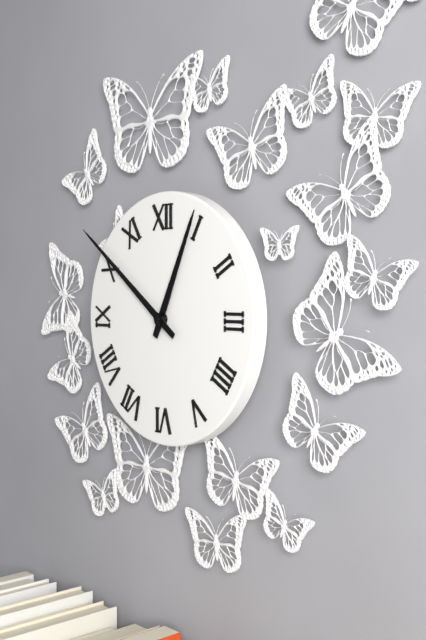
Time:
12:51
